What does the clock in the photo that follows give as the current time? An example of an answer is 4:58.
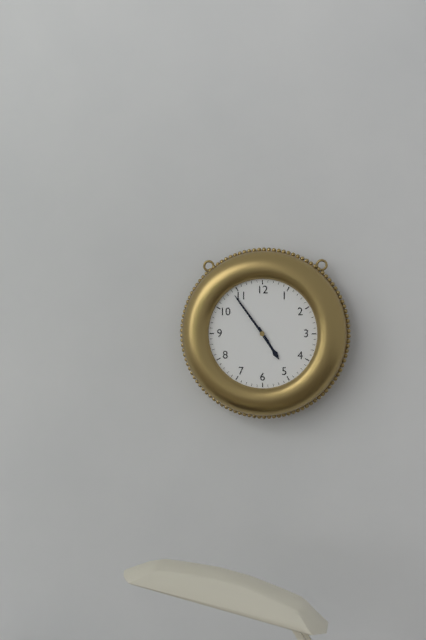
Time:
4:54
